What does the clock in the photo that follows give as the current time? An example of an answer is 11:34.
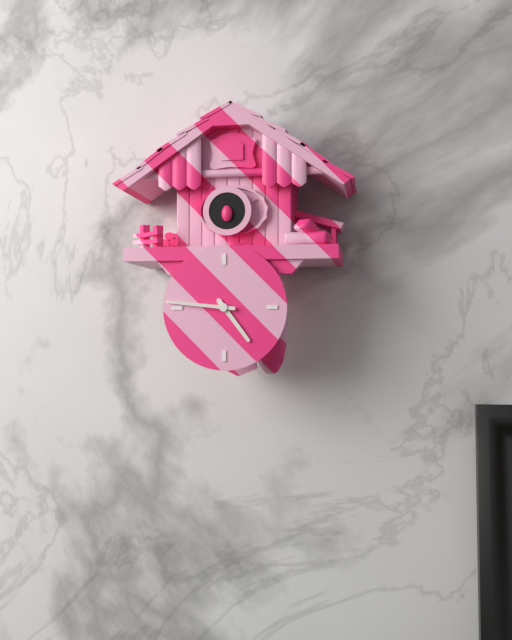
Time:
4:46
